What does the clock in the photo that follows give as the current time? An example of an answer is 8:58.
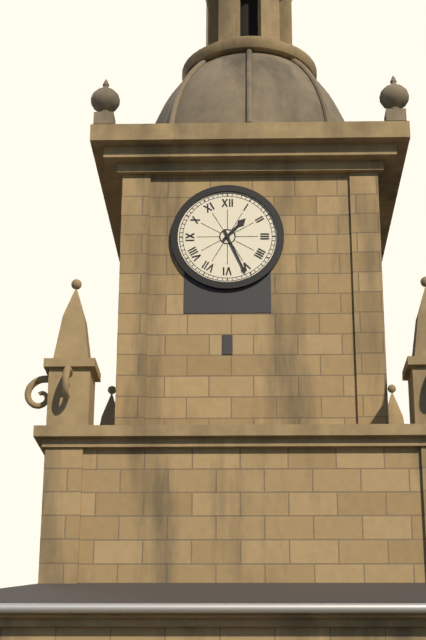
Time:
1:26
